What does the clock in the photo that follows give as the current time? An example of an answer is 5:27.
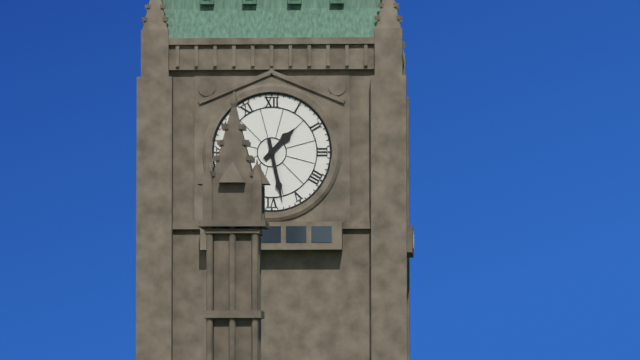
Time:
1:28
